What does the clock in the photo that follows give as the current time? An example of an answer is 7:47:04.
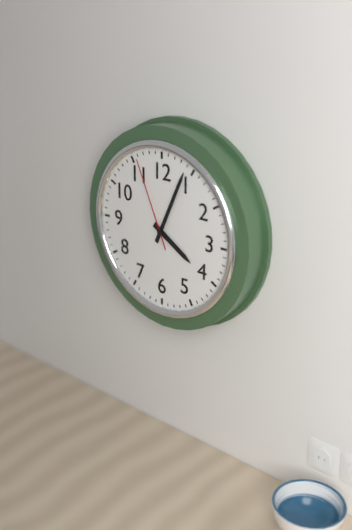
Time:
4:04:56
